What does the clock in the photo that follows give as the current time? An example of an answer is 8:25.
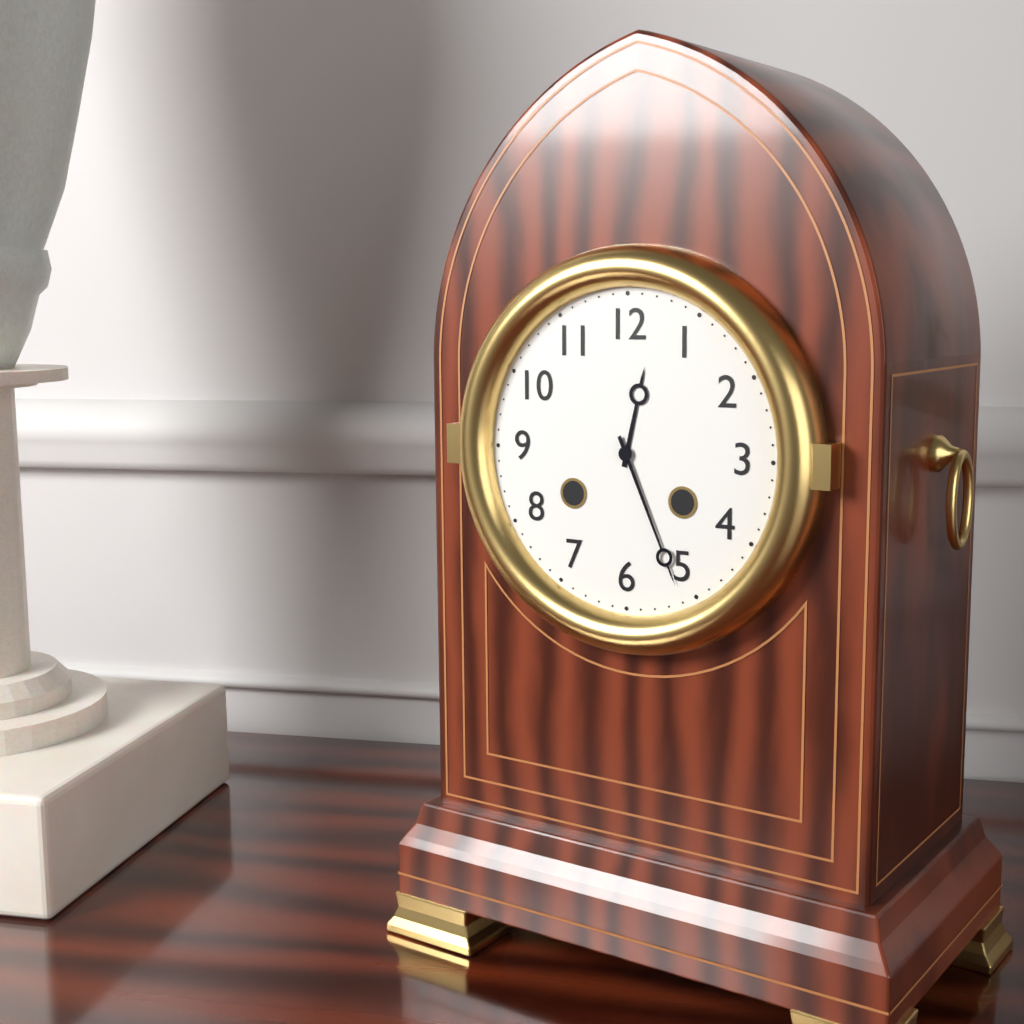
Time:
12:26
